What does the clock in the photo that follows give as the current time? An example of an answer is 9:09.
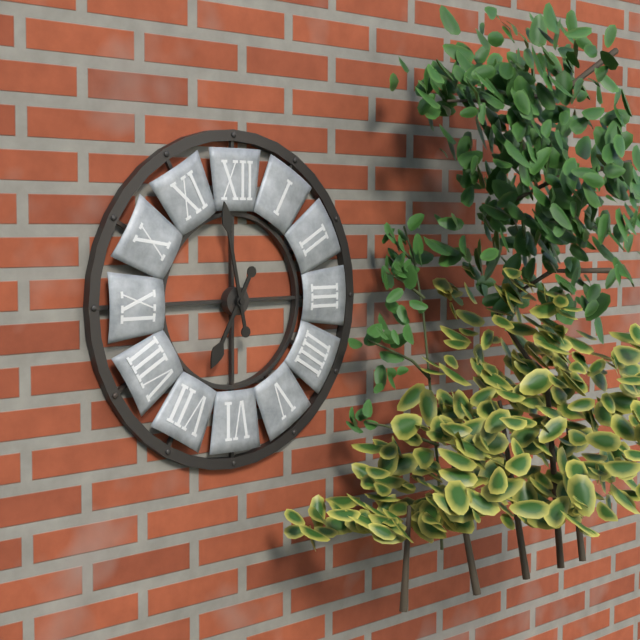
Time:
6:58
